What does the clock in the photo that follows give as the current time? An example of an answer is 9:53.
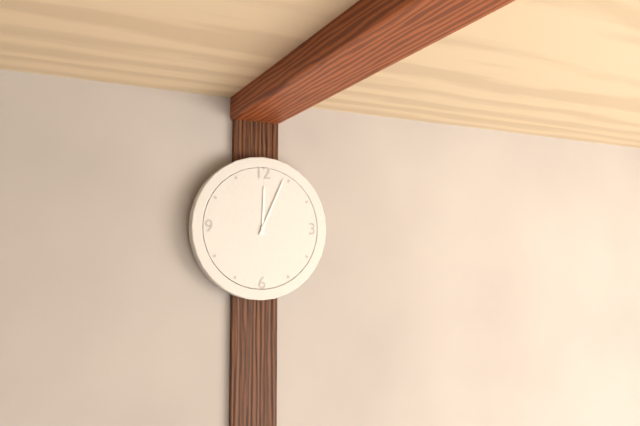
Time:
12:04
